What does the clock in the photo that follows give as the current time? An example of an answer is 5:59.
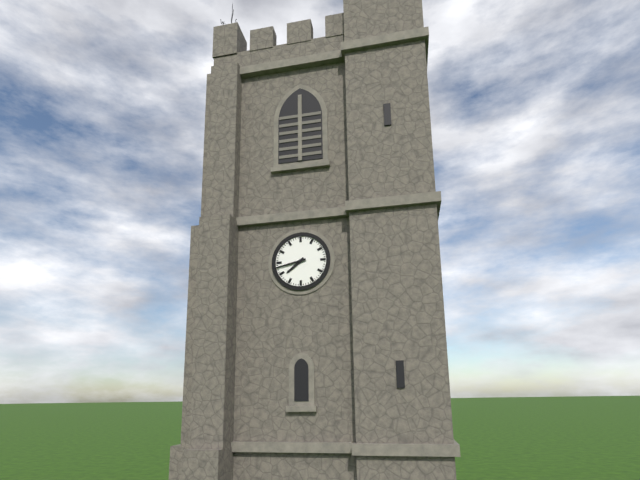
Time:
7:43
